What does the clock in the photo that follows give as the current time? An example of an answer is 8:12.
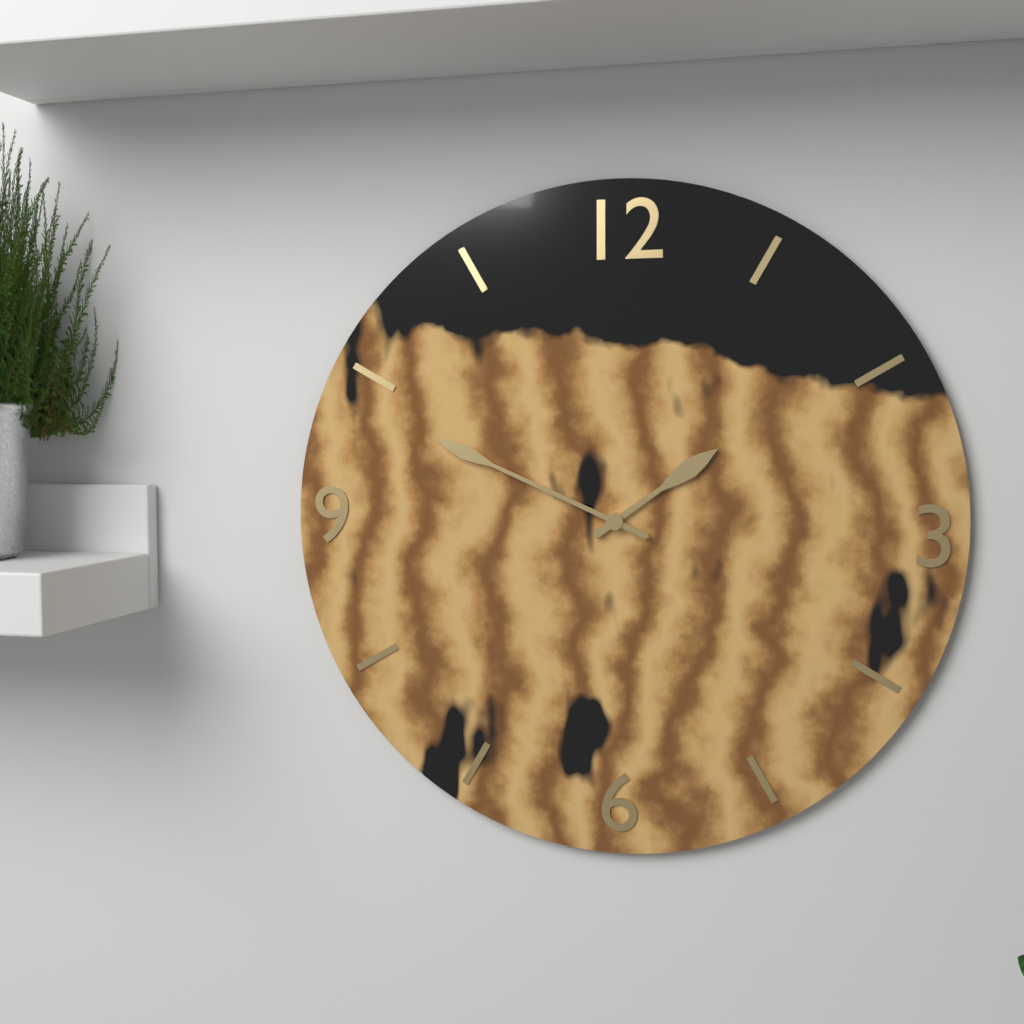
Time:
1:49
